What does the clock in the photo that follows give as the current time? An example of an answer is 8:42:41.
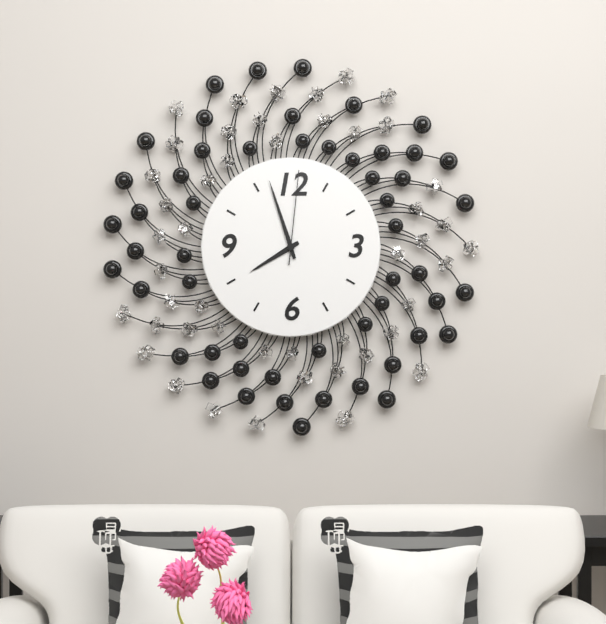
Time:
7:57:01
